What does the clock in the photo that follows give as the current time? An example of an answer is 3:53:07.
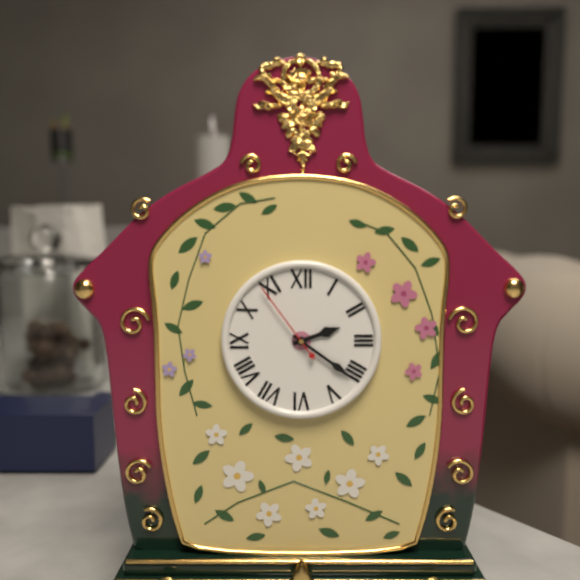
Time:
2:21:54
